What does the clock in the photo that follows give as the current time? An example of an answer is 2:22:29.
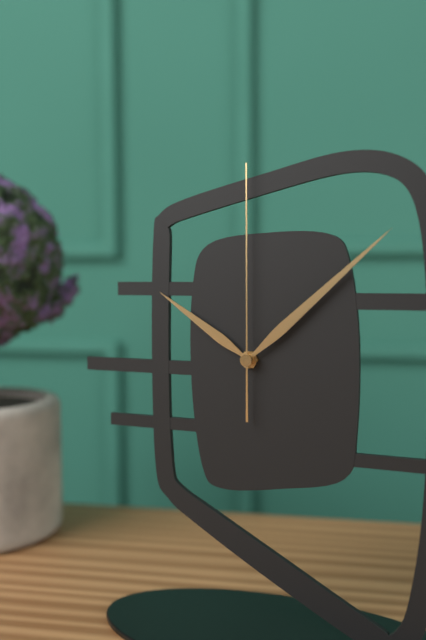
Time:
10:08:00
